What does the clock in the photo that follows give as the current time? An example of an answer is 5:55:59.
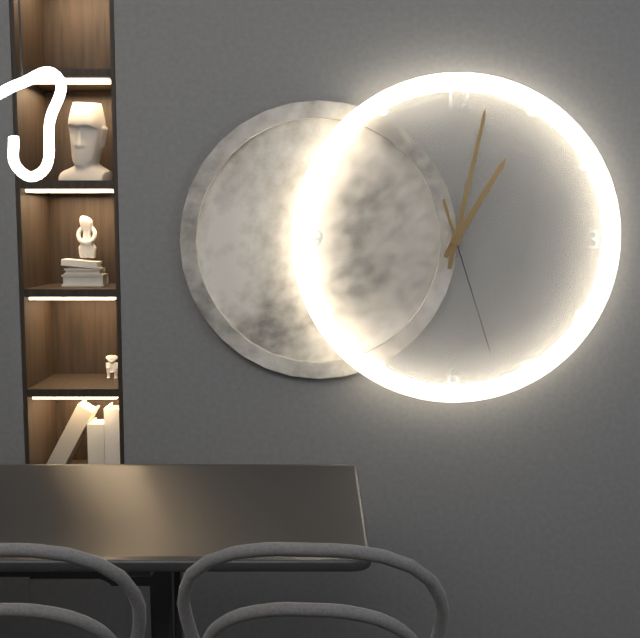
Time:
1:02:27
